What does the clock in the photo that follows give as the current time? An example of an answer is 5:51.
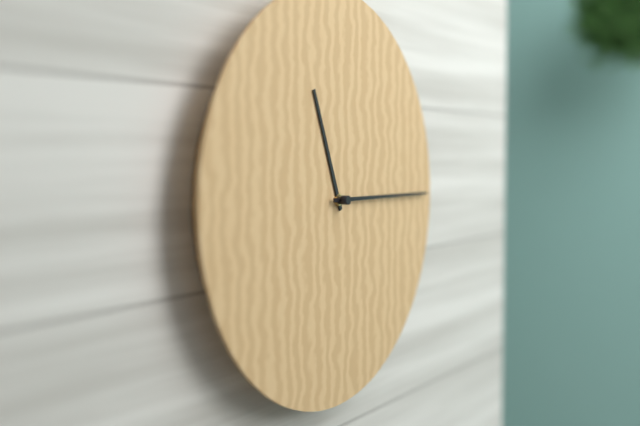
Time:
11:15
